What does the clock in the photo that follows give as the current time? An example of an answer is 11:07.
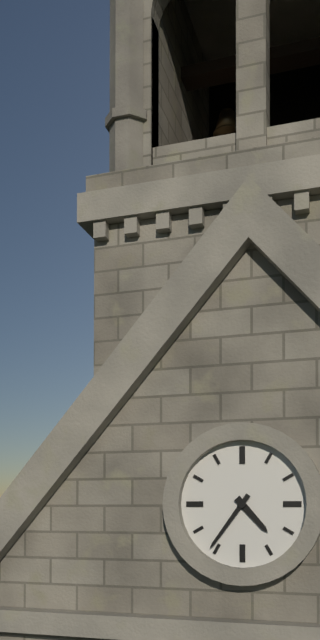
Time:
4:36
